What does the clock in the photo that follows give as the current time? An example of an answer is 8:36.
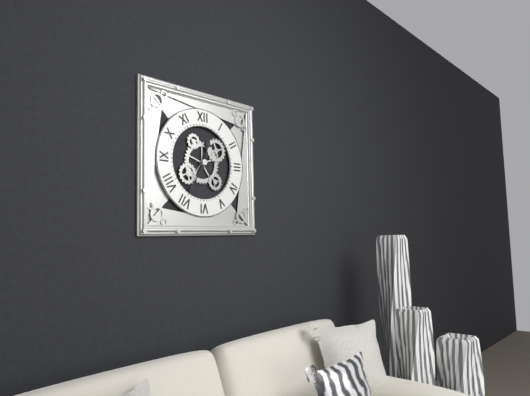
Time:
12:35
